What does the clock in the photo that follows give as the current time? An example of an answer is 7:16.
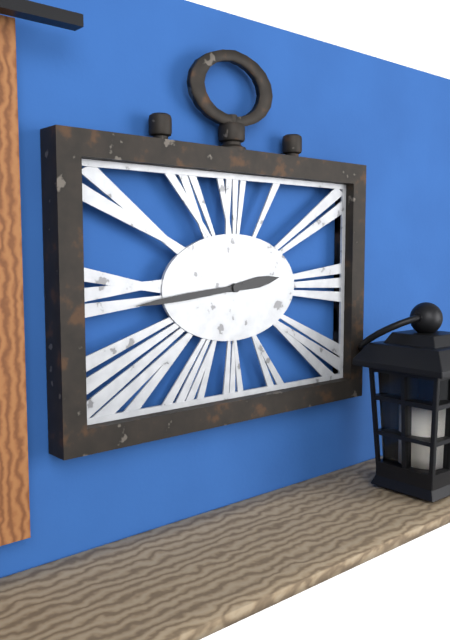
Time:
2:44
